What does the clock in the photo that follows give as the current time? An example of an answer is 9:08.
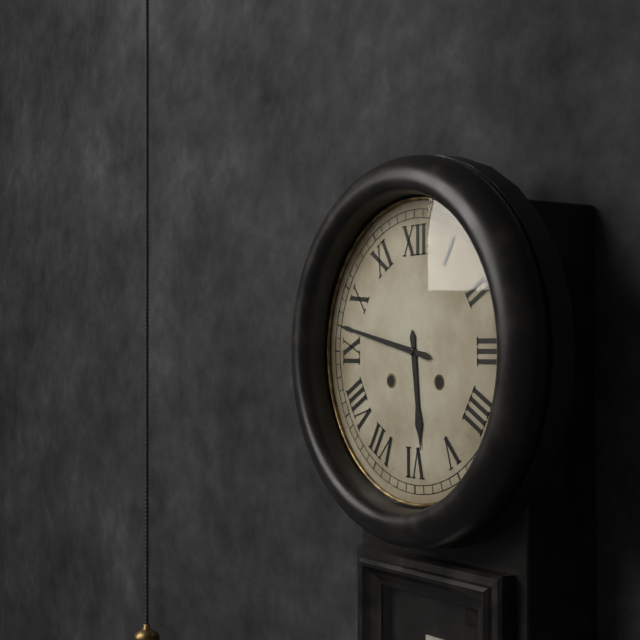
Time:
5:47
